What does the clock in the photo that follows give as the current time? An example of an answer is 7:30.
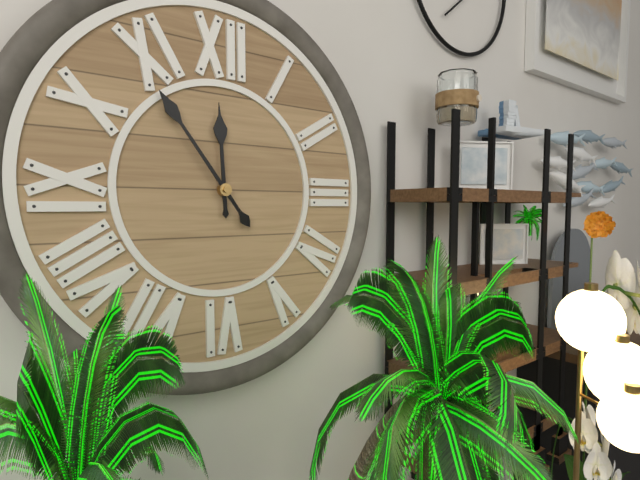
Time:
11:54
